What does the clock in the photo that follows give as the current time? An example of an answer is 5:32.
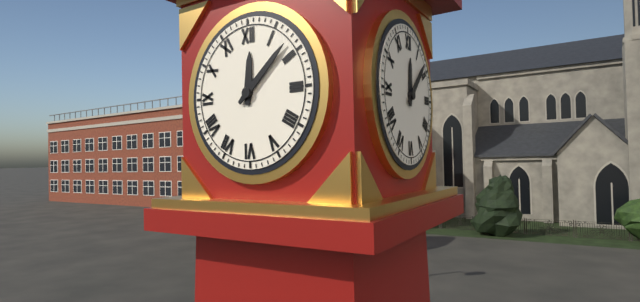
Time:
12:08
